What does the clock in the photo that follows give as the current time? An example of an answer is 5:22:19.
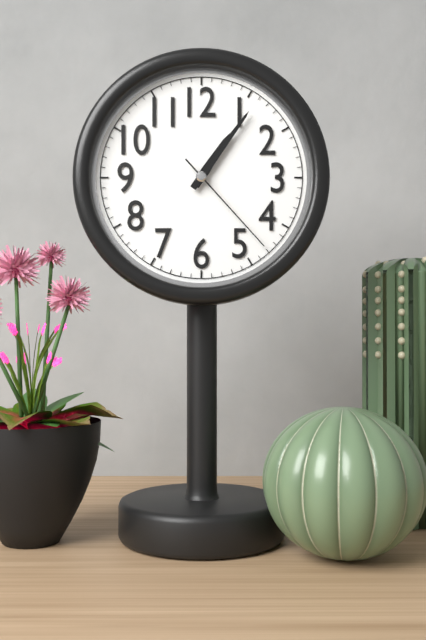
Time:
1:06:23
